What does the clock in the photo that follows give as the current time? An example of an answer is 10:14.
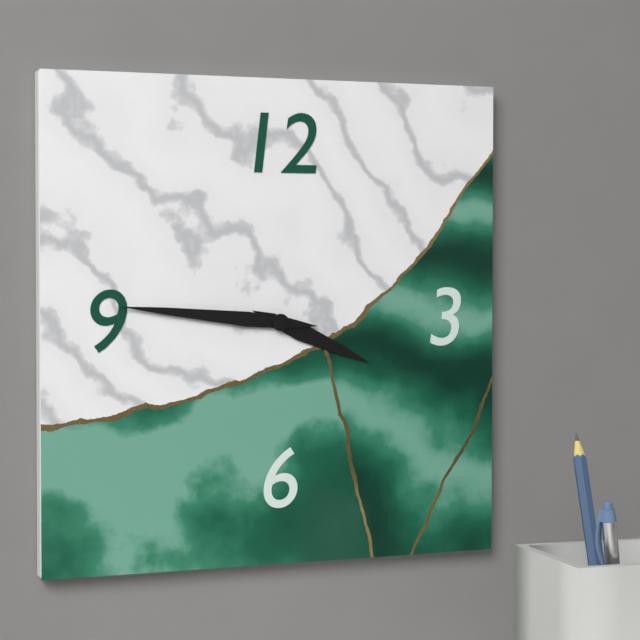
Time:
3:46
